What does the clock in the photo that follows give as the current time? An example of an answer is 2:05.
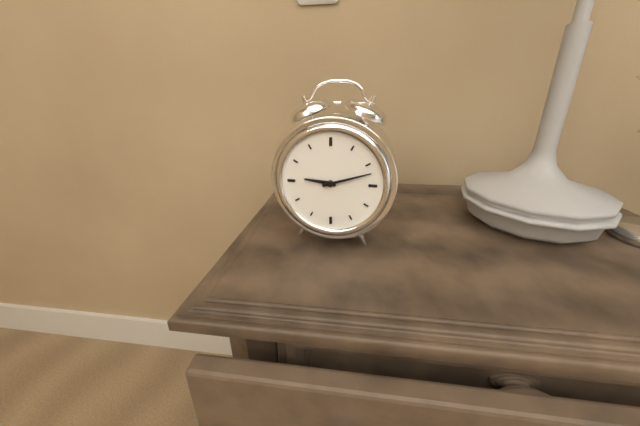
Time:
9:12
